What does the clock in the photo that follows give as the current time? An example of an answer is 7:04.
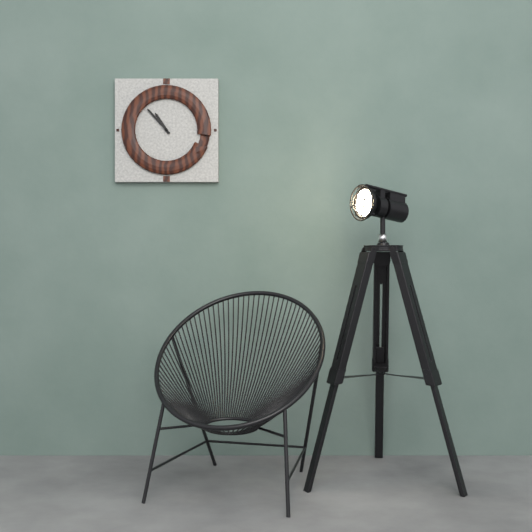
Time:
10:53
